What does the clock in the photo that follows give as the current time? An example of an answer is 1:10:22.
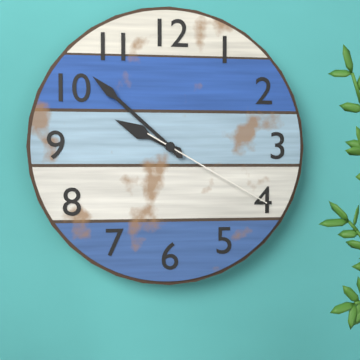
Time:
9:52:20
